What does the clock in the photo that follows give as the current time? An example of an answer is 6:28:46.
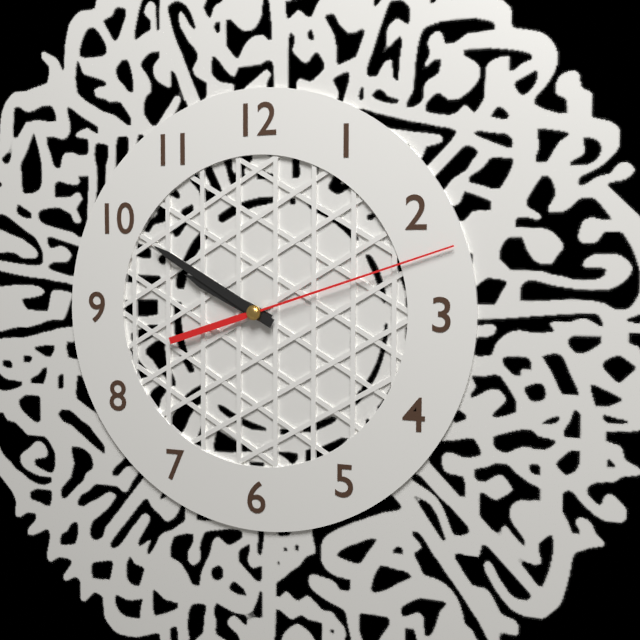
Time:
9:50:12
